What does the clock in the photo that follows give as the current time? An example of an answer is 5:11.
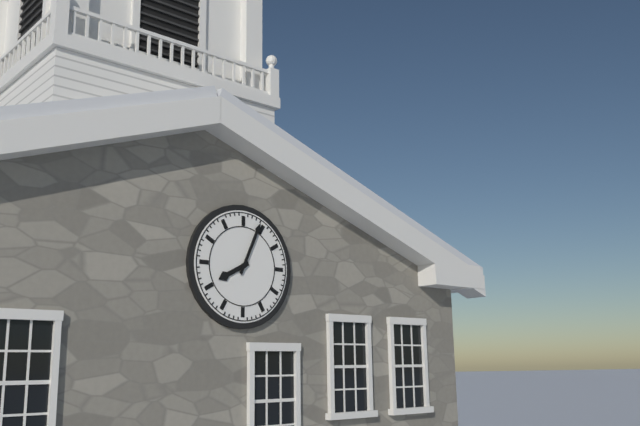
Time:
8:04
